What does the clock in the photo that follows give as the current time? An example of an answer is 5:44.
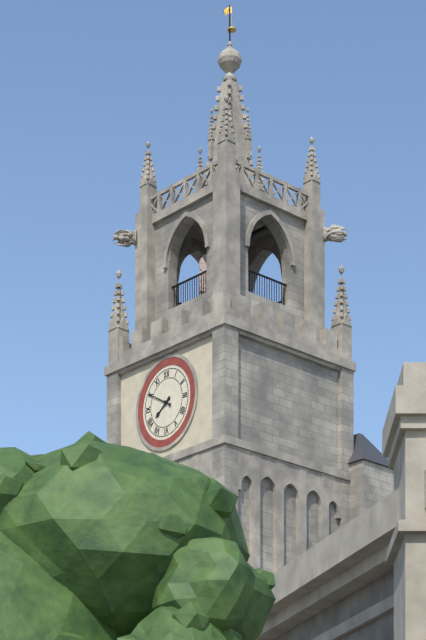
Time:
7:50
